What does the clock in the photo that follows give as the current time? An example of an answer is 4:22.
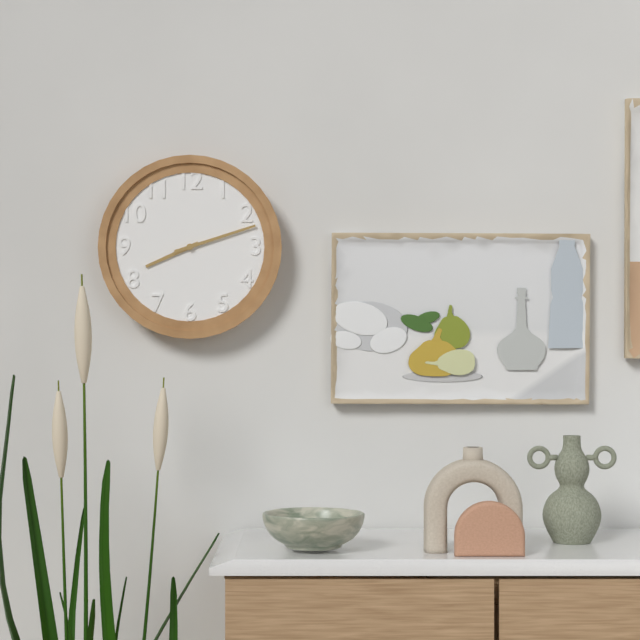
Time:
8:12
